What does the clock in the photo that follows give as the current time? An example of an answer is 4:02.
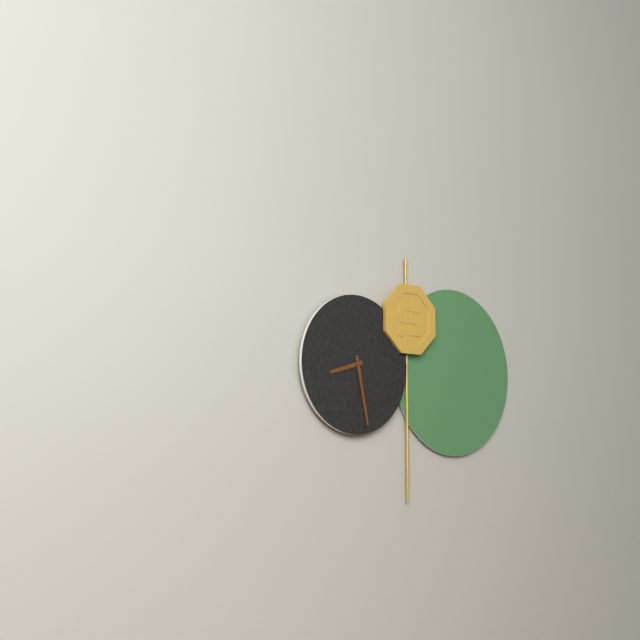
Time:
8:28
